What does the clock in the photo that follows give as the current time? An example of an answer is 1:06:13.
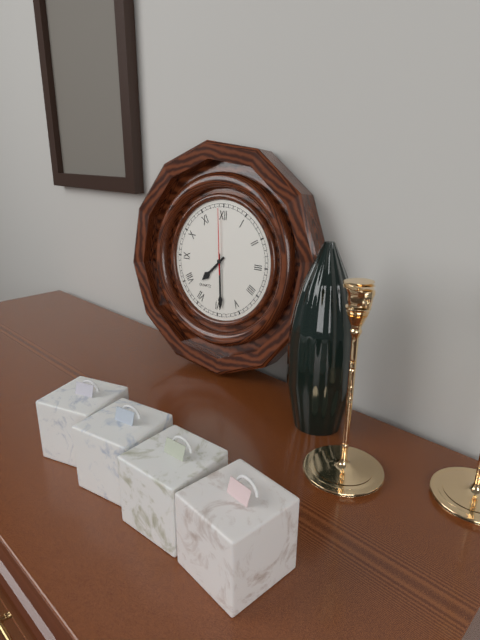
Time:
7:29:59
